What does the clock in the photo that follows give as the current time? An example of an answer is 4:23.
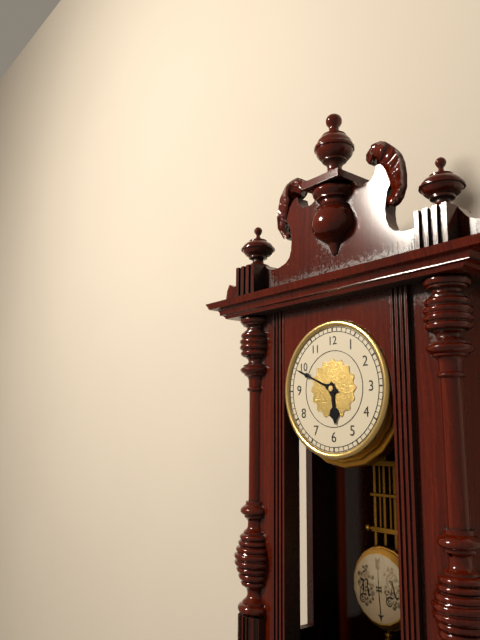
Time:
5:49
